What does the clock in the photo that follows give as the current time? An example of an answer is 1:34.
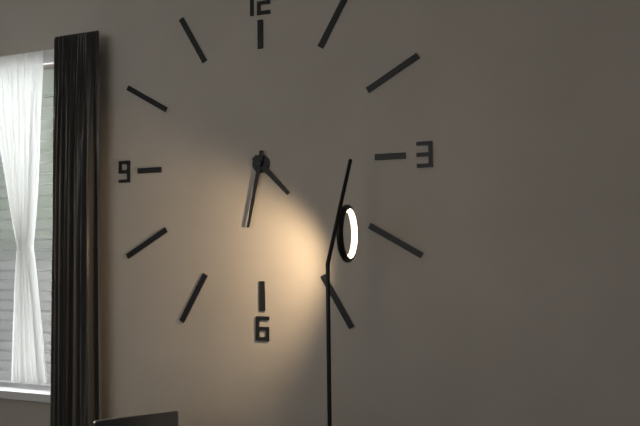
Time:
4:32
